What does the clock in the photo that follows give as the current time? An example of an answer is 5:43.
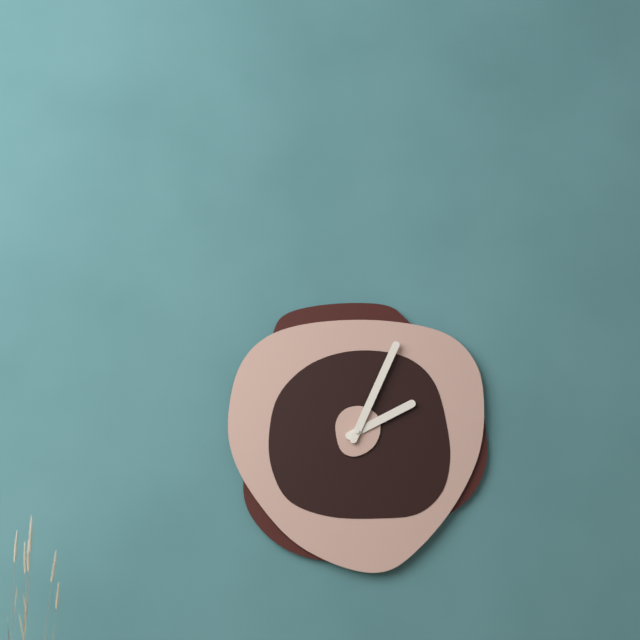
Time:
2:04
